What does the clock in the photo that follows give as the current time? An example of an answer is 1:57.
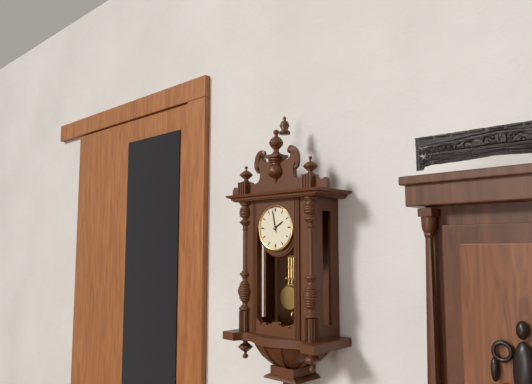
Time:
1:58
